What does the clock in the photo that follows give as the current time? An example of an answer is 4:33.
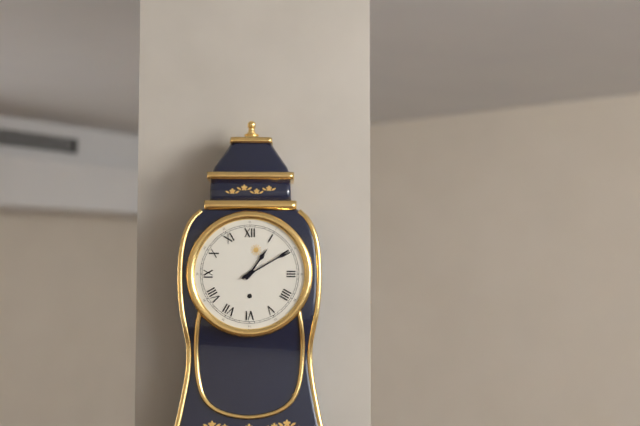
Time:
1:10
